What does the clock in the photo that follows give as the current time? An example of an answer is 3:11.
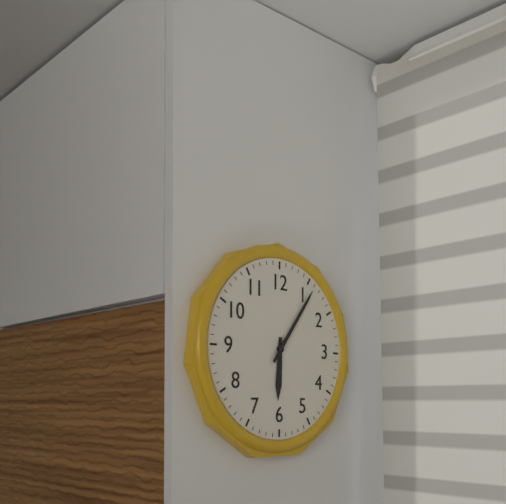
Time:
6:06
